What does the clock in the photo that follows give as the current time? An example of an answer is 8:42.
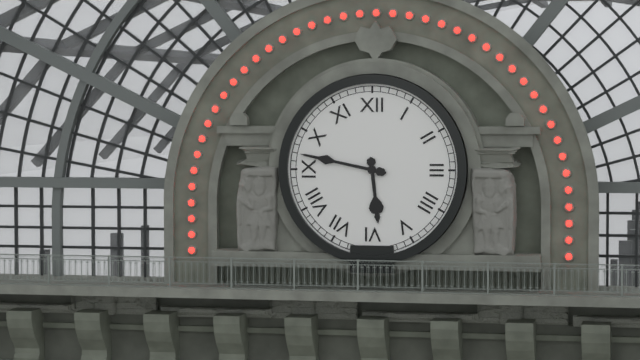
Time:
5:47
